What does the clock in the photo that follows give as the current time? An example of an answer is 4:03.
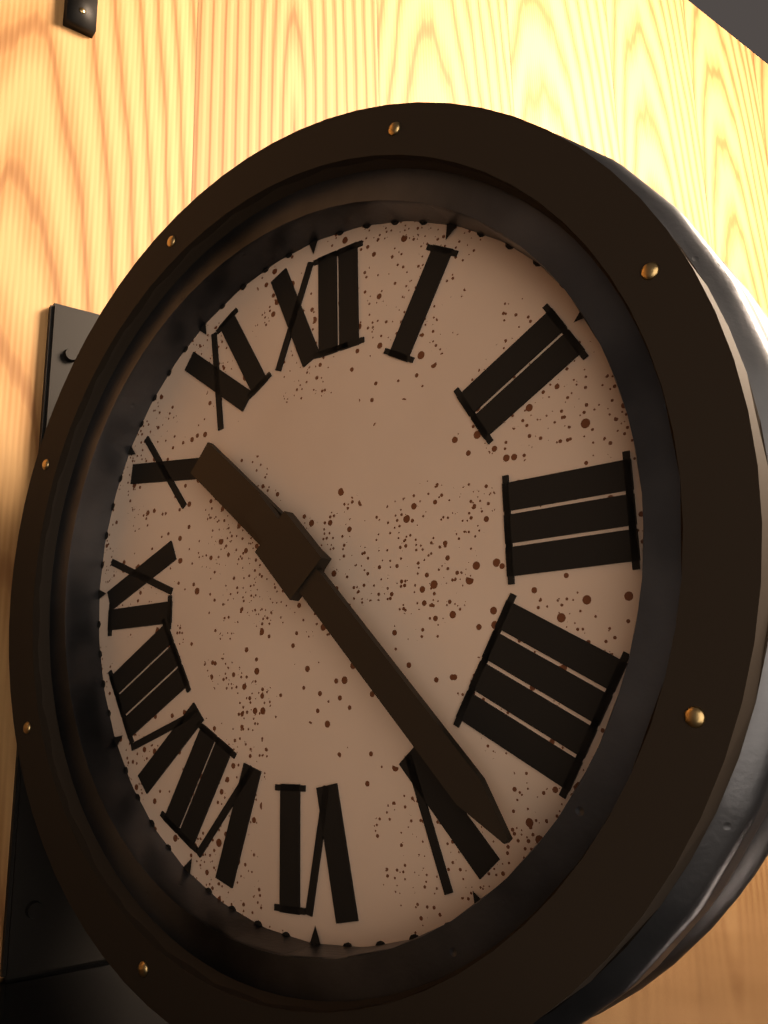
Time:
10:23
